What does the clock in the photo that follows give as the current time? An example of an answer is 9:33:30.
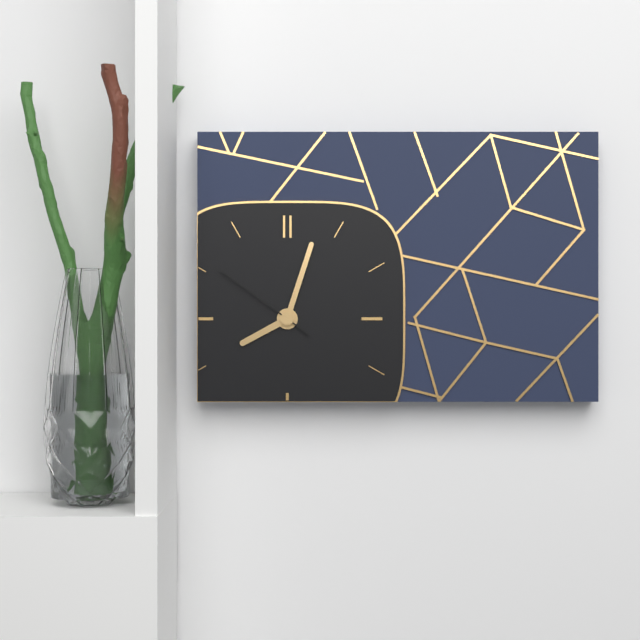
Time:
8:03:51
